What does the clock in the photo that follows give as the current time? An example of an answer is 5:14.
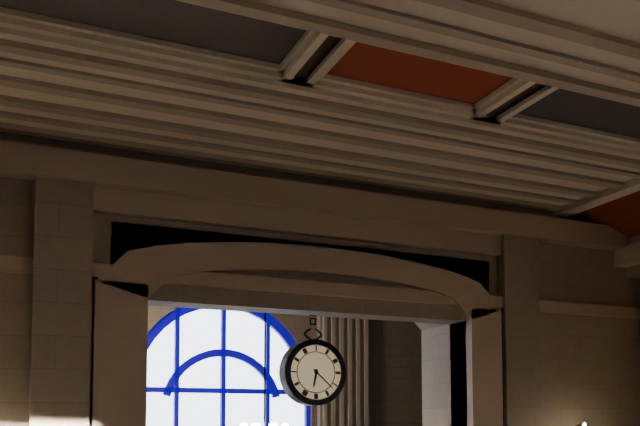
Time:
6:22
